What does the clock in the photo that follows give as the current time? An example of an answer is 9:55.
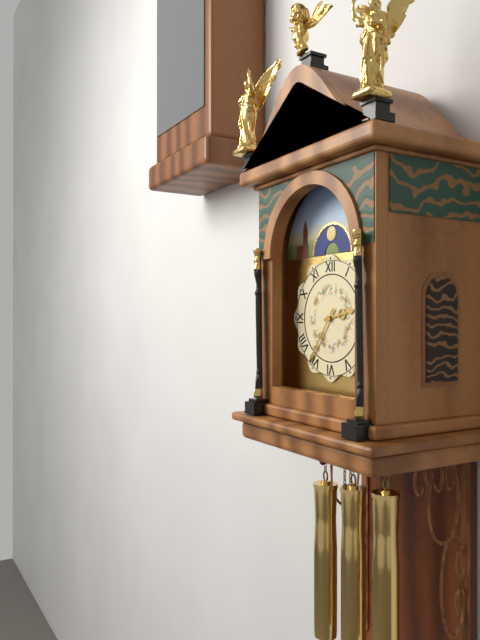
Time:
2:36
